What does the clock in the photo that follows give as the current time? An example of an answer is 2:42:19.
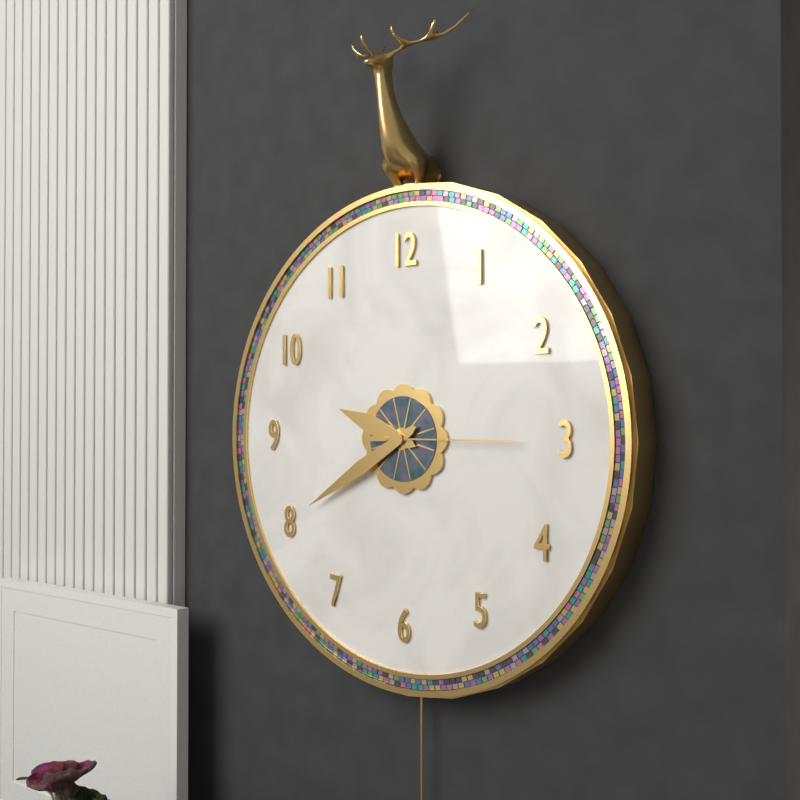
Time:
9:40:15
